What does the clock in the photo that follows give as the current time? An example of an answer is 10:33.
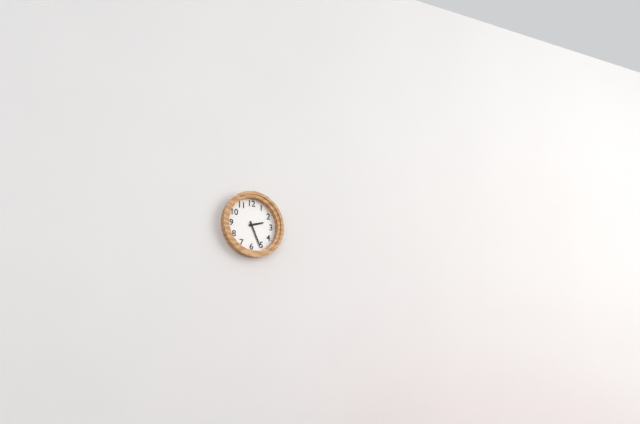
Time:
2:26
